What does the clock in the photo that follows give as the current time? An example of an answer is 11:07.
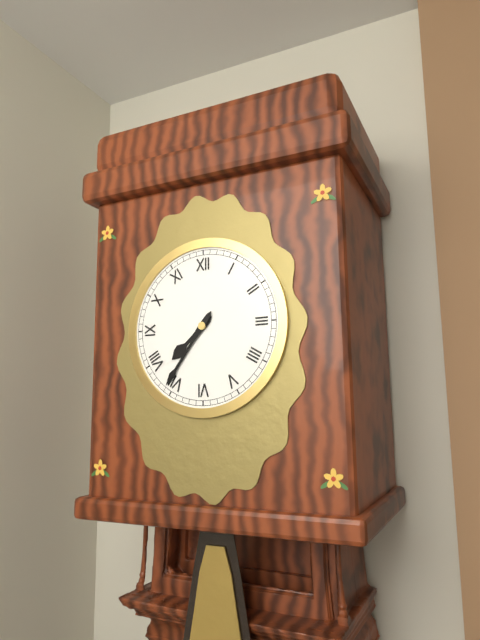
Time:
7:36
